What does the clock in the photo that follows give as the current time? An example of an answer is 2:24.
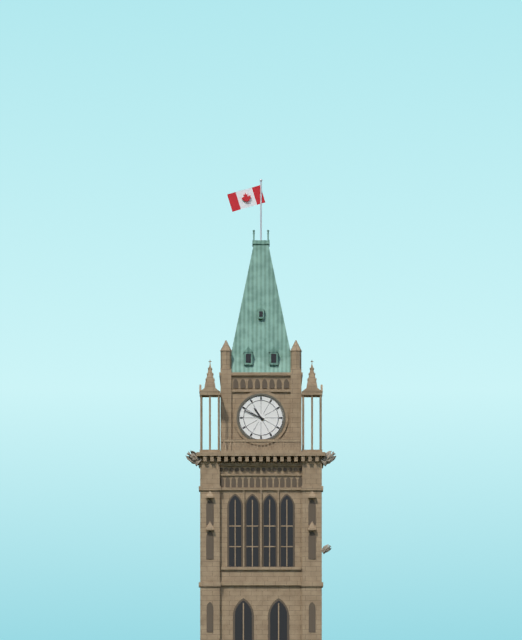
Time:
10:49
